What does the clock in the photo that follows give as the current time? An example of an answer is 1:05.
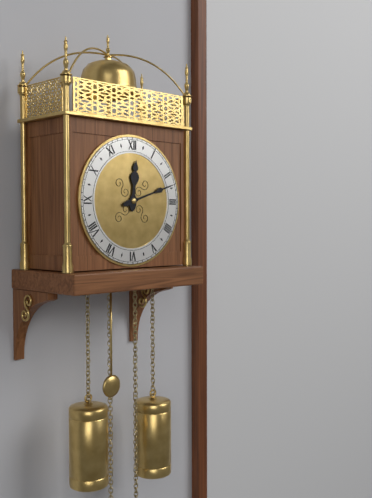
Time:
12:12
